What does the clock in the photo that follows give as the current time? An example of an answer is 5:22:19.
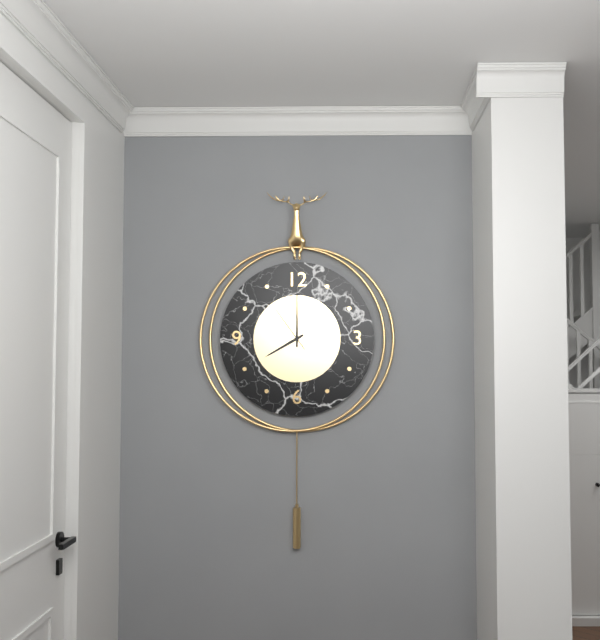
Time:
8:00:54
